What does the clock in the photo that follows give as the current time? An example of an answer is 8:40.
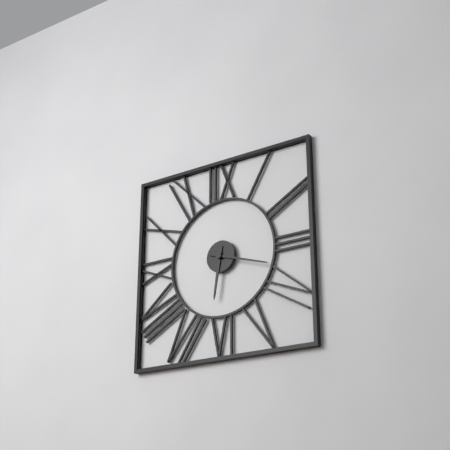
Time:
6:18
